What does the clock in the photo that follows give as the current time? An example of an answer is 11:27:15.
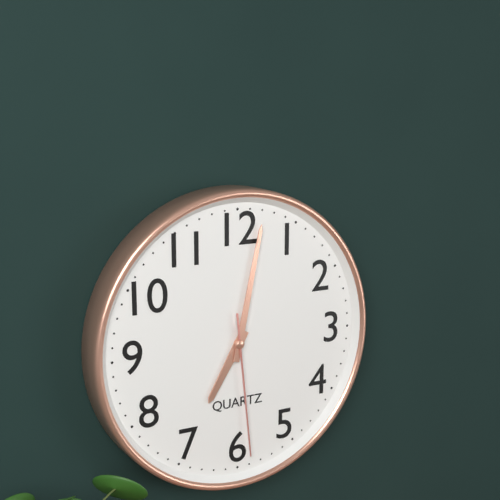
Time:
7:02:29
